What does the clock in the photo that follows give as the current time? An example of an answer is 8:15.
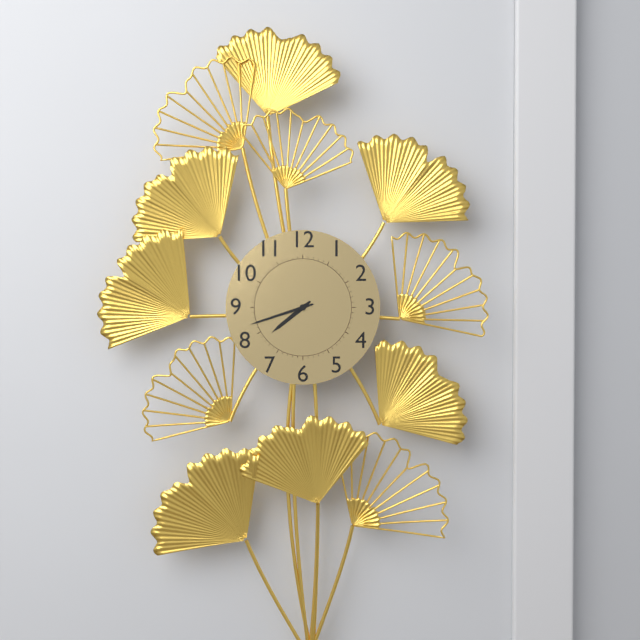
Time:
7:42
